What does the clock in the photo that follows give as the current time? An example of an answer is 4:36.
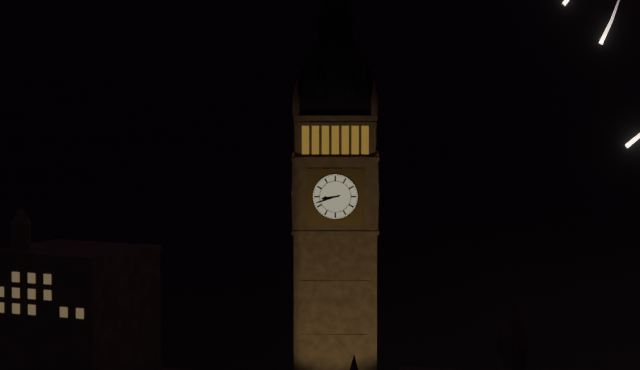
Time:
8:42
